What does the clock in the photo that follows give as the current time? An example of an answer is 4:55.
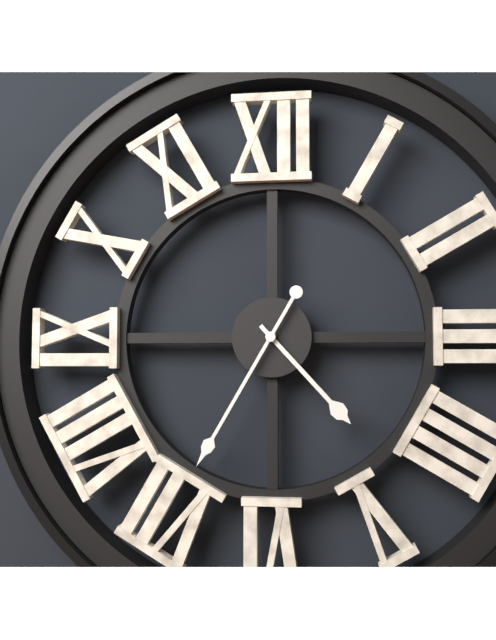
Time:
4:35
